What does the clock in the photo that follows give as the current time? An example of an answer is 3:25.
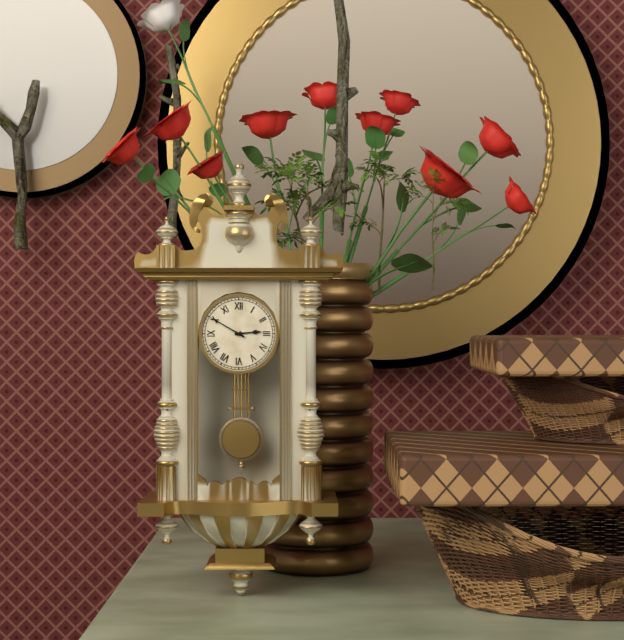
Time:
2:50
